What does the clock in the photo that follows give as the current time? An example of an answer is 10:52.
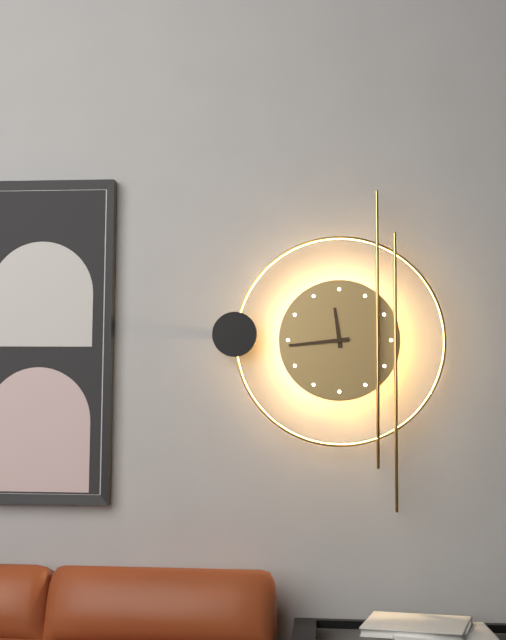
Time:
11:44
